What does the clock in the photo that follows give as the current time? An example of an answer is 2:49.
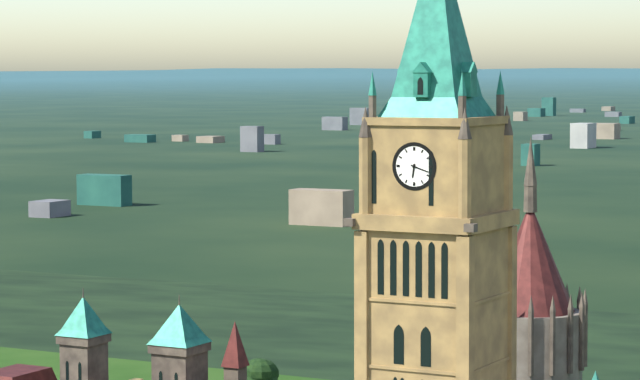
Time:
6:18
